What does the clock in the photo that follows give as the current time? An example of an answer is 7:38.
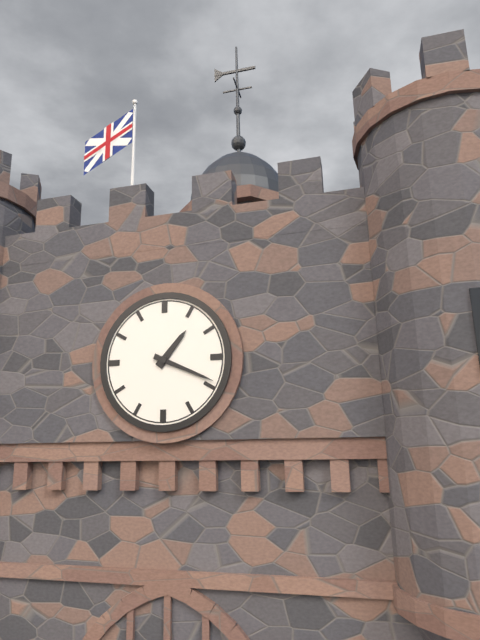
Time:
1:19
